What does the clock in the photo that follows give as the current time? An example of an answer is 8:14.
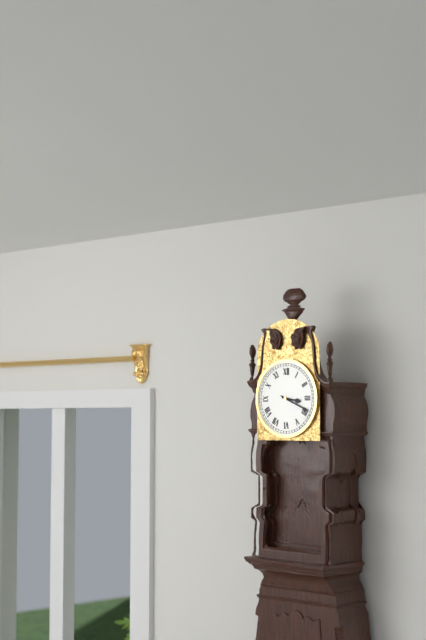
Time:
3:19
